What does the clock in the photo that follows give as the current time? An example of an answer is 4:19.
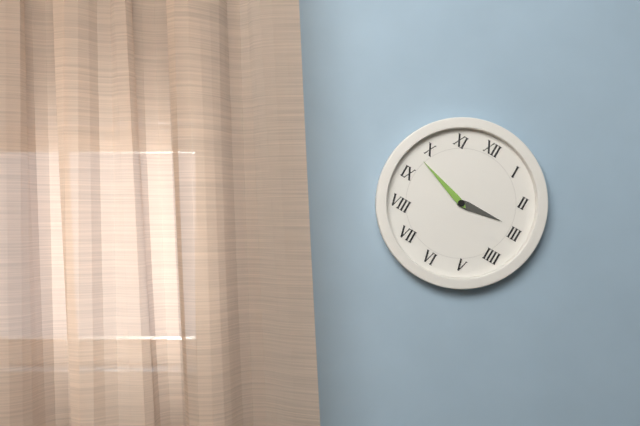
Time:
2:48
